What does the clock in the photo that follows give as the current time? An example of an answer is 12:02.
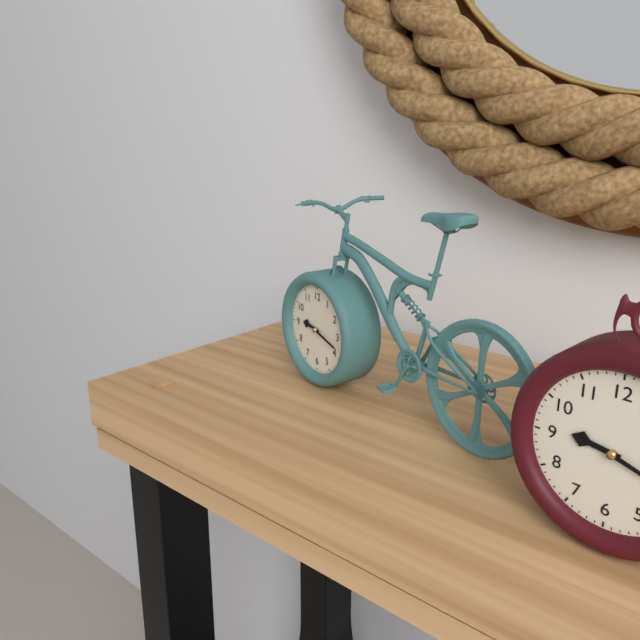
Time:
9:18
